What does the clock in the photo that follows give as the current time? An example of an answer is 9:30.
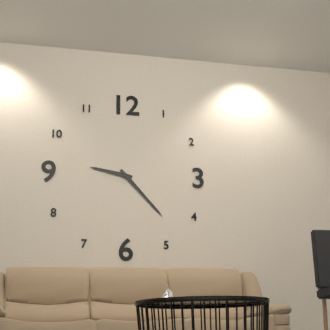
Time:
9:23
